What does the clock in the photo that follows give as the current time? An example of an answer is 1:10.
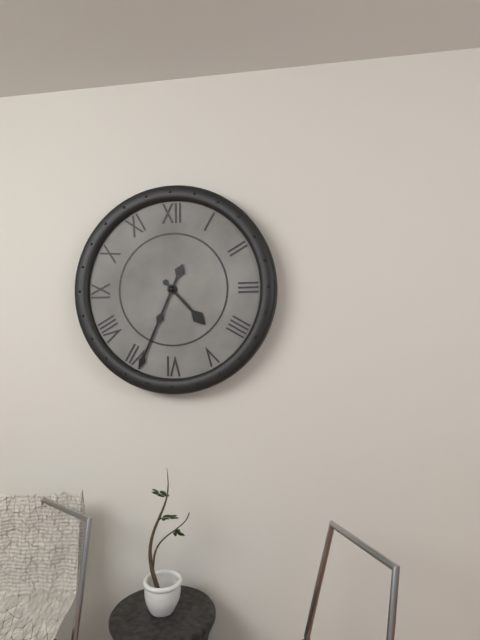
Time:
4:34
